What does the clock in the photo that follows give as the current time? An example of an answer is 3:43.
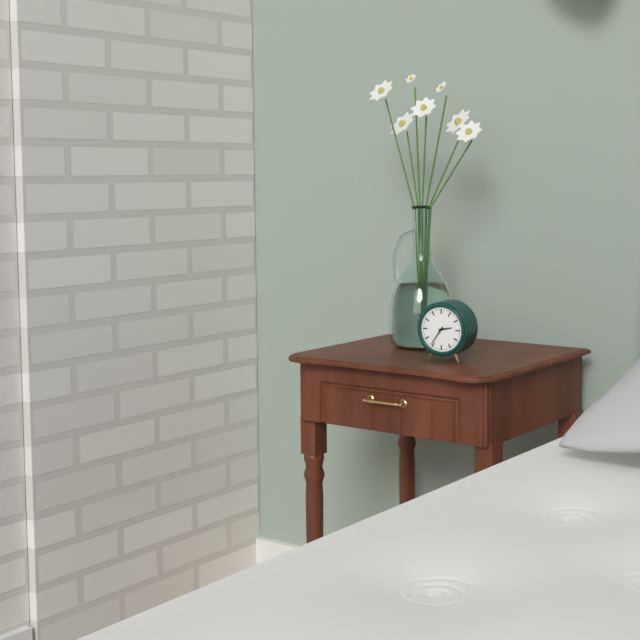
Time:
2:36
